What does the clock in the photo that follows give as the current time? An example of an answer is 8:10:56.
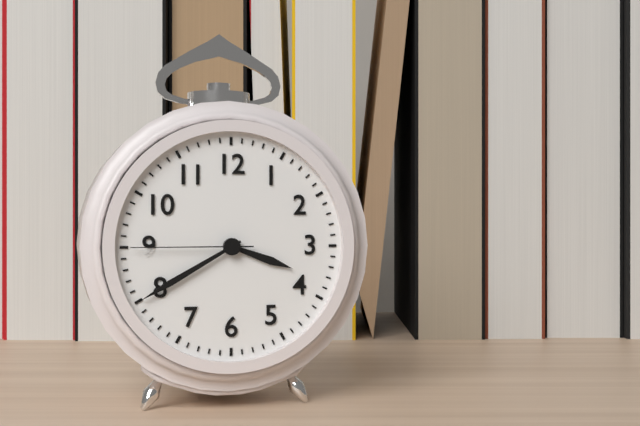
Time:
3:40:45
